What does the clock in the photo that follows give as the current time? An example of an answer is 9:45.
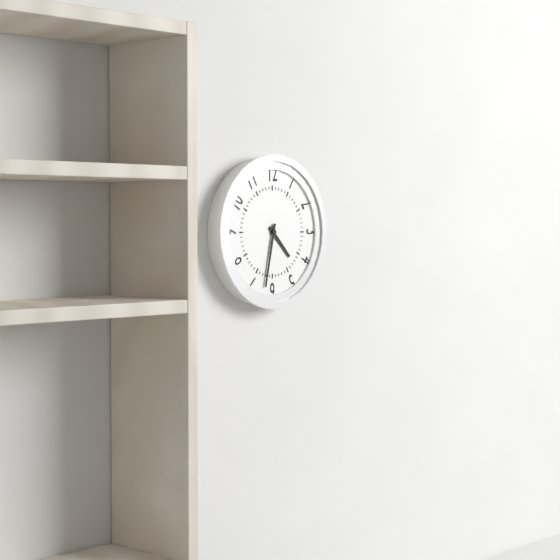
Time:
4:32
